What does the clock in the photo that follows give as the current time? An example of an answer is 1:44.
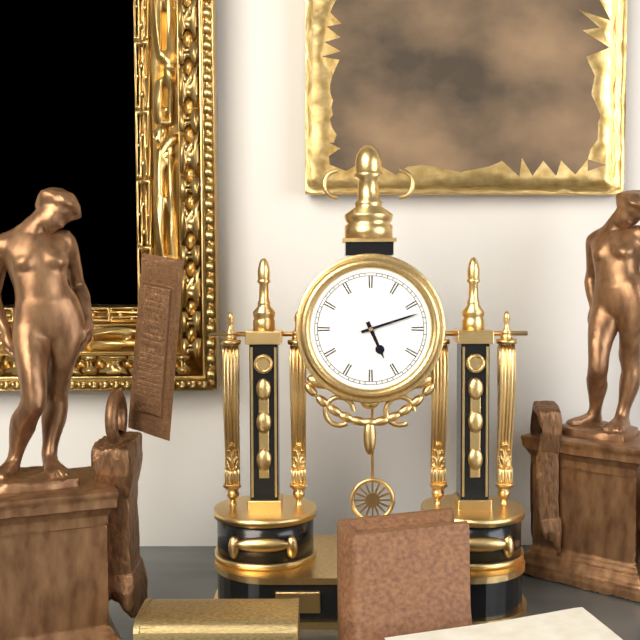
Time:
5:12
